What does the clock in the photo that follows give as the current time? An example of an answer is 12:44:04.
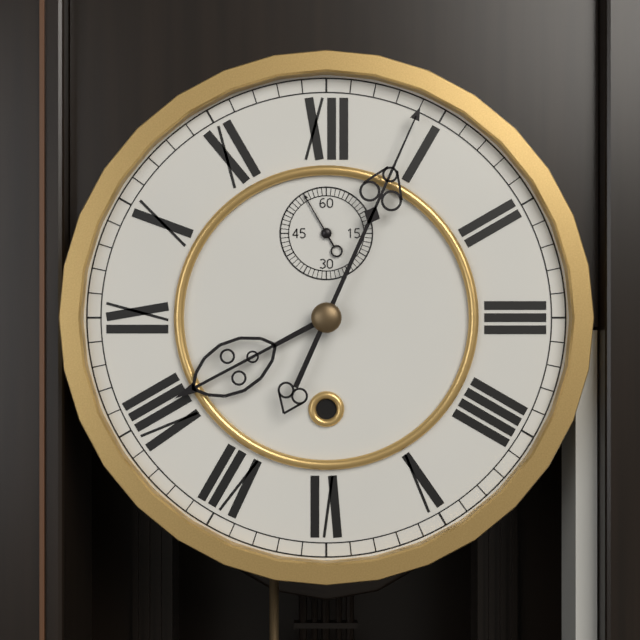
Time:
8:04:55
